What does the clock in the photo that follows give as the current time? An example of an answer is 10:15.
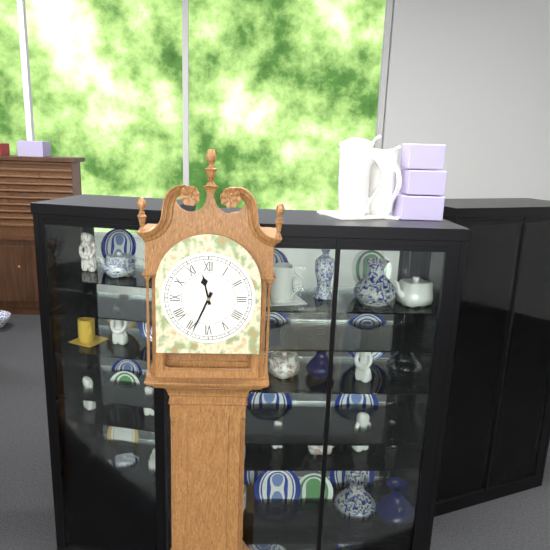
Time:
11:34
